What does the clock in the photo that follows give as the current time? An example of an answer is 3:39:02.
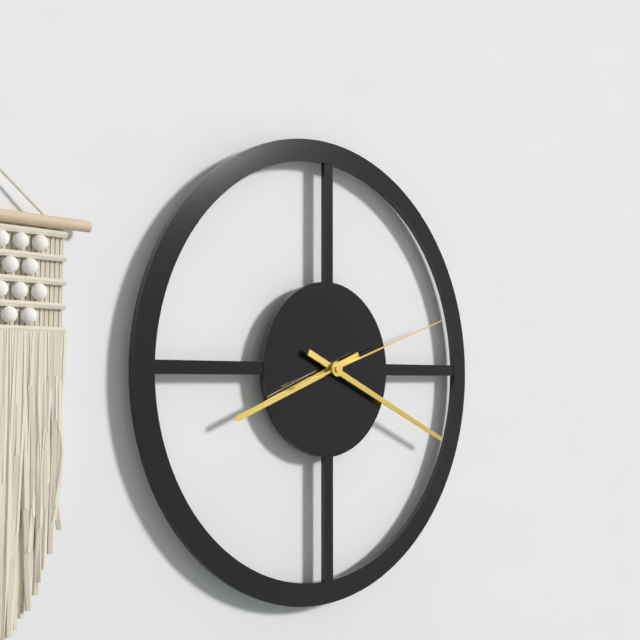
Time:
8:19:12
